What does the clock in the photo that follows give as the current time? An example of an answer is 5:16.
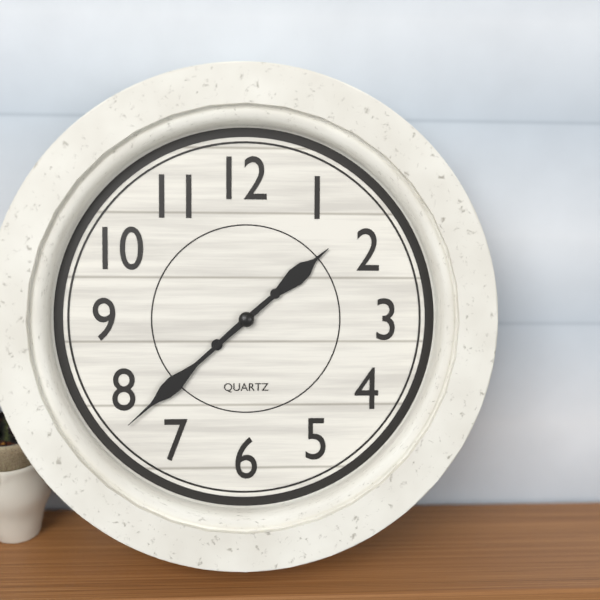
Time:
1:38
